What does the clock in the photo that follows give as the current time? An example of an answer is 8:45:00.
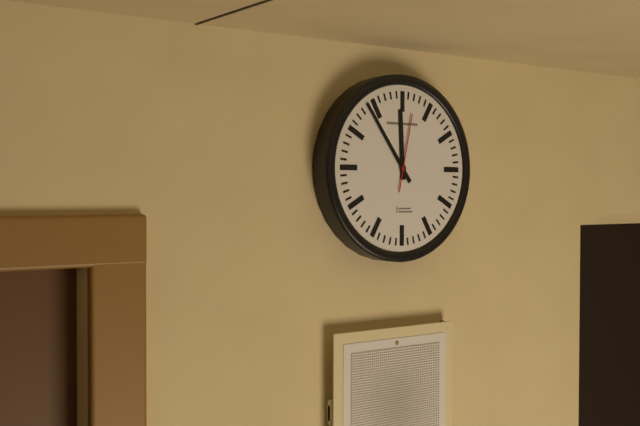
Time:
11:54:02
